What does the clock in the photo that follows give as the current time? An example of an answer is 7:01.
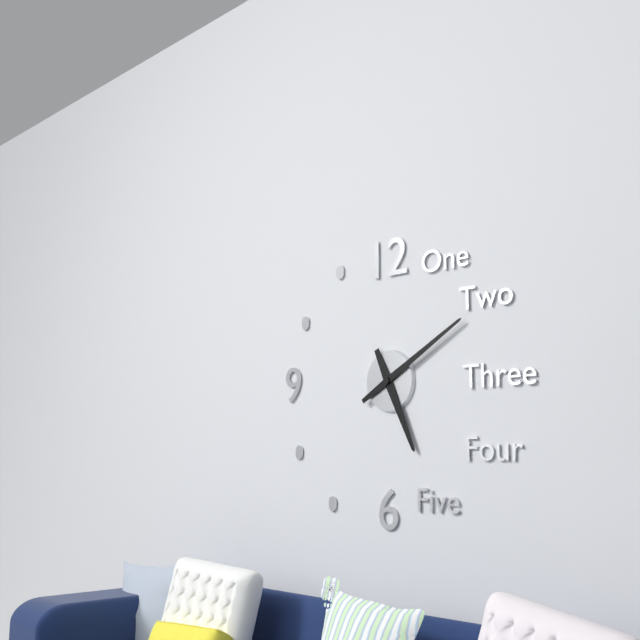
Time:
5:10
